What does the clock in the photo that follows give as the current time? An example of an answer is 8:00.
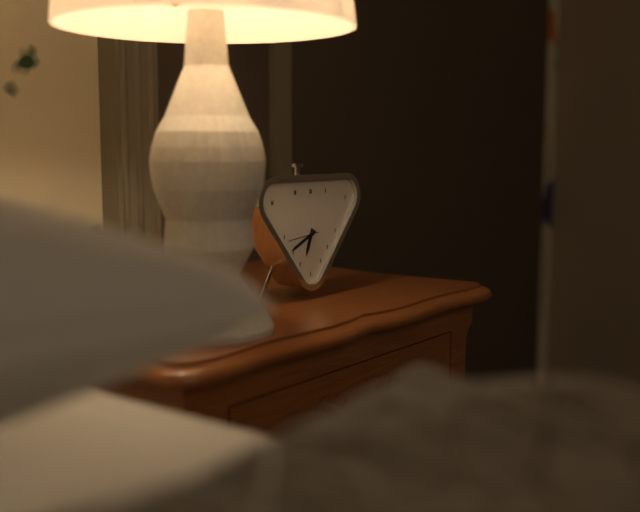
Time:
6:41
